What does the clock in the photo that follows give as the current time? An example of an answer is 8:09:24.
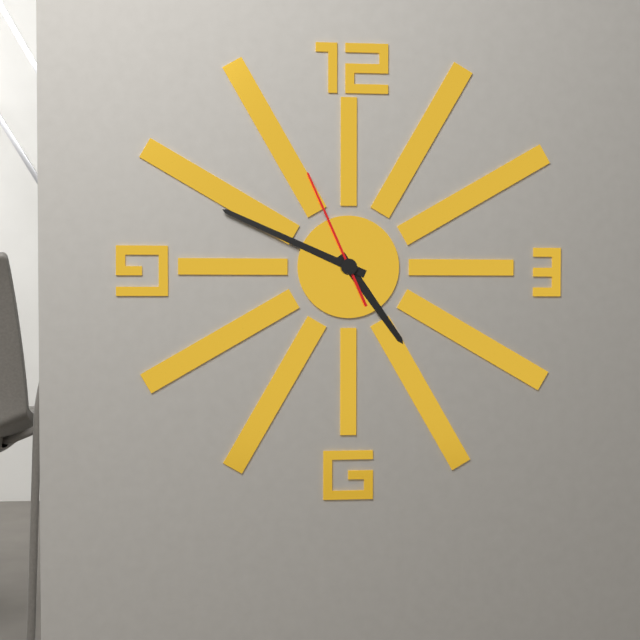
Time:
4:49:56
